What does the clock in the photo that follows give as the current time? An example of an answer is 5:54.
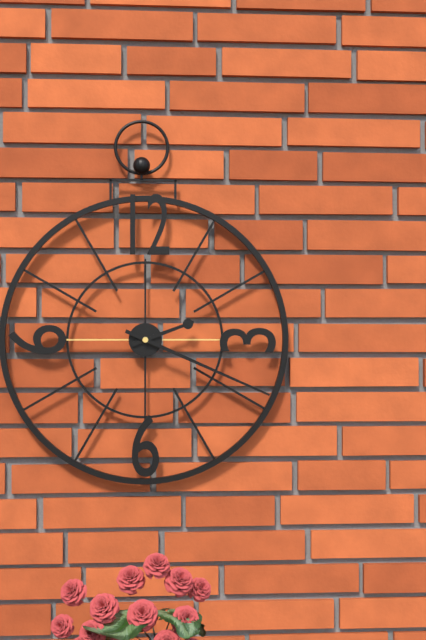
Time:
2:19
